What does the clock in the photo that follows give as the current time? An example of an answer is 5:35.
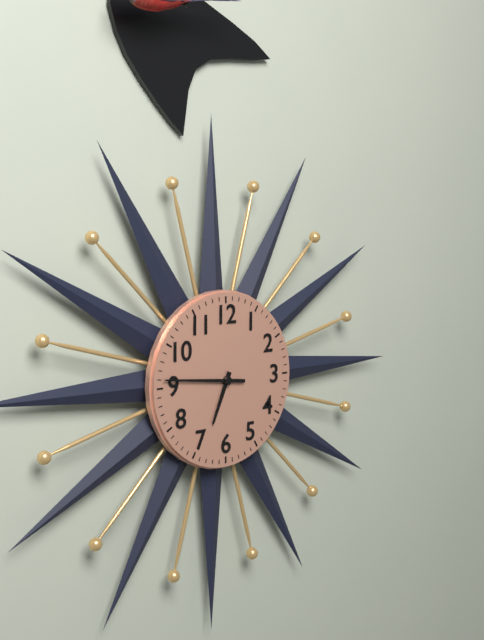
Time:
6:46
